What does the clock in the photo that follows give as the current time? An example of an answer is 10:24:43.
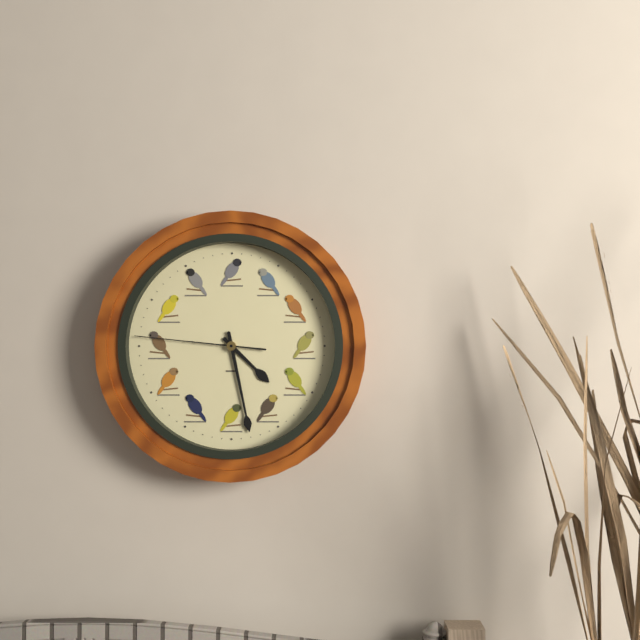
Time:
4:28:46
